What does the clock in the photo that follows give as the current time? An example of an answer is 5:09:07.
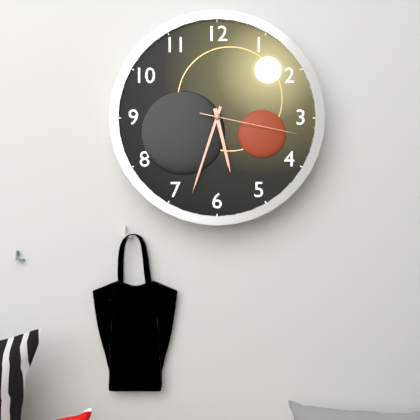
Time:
5:33:17
